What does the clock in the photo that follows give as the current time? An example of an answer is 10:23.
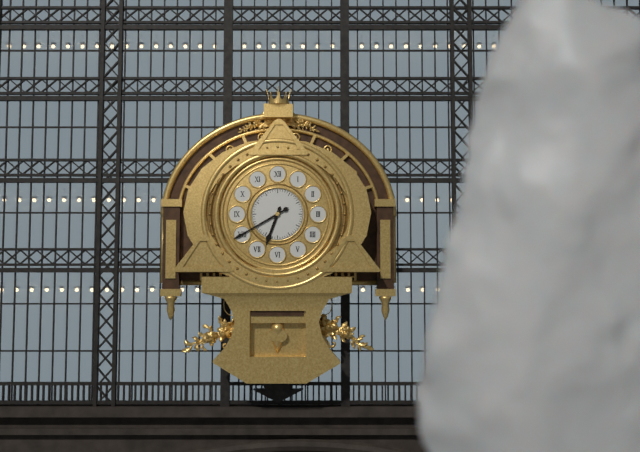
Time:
6:40
